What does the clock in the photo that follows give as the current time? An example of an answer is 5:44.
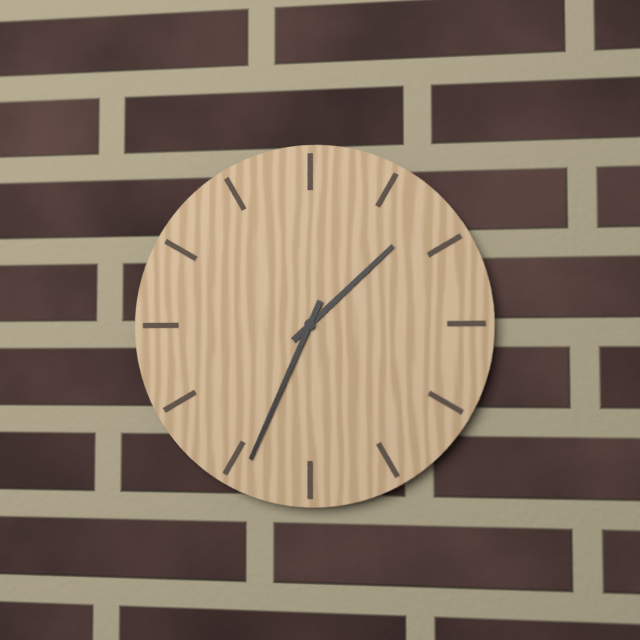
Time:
1:34
